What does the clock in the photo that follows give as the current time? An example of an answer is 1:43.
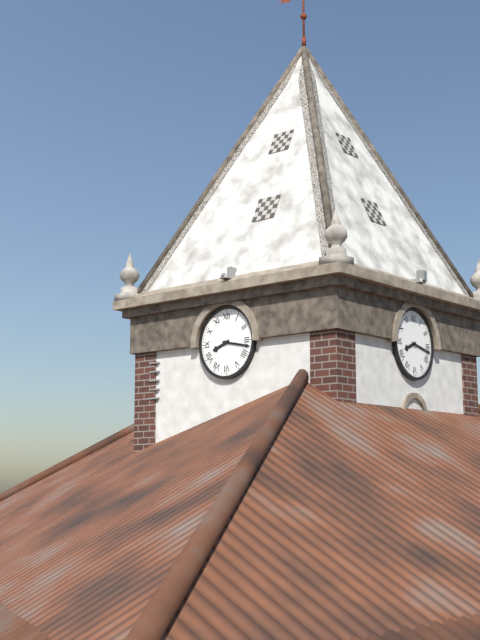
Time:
8:17
